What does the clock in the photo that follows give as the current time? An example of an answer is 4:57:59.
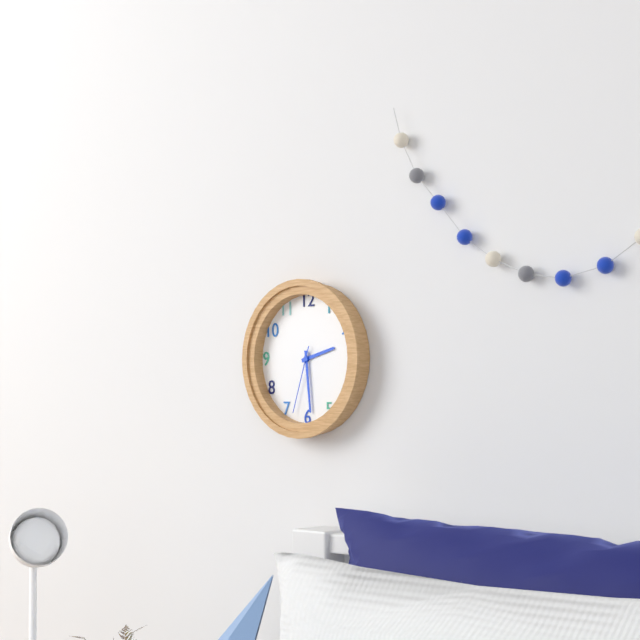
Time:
2:29:33
